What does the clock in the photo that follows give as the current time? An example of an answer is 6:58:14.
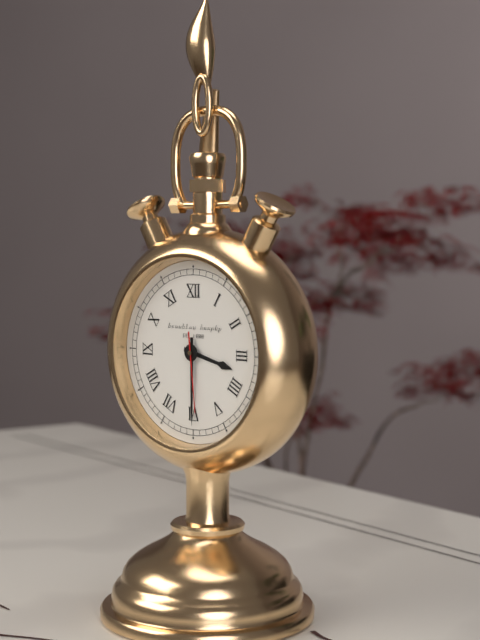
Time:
3:30:29
